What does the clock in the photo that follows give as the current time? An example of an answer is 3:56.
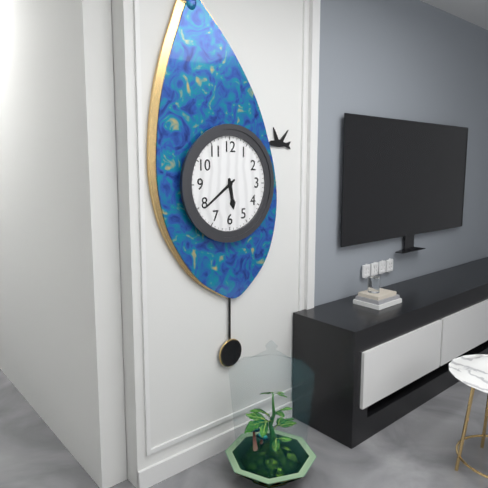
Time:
5:39
